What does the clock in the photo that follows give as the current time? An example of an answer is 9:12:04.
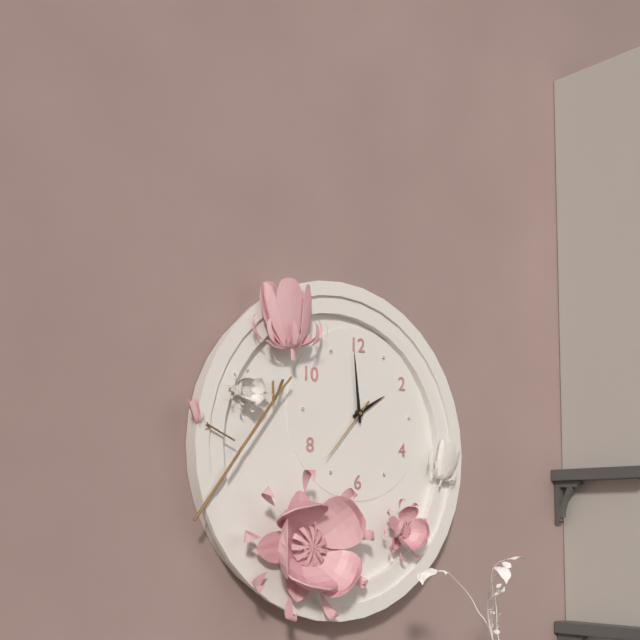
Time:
1:59:37
